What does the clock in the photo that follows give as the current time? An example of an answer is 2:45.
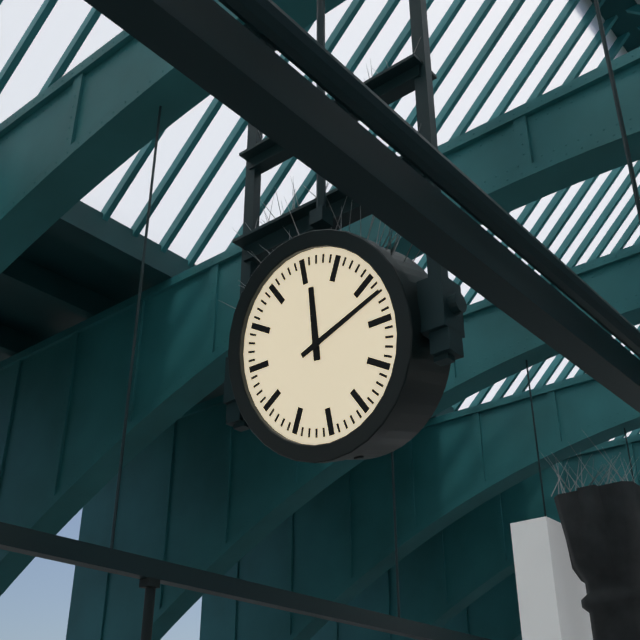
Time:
12:12
